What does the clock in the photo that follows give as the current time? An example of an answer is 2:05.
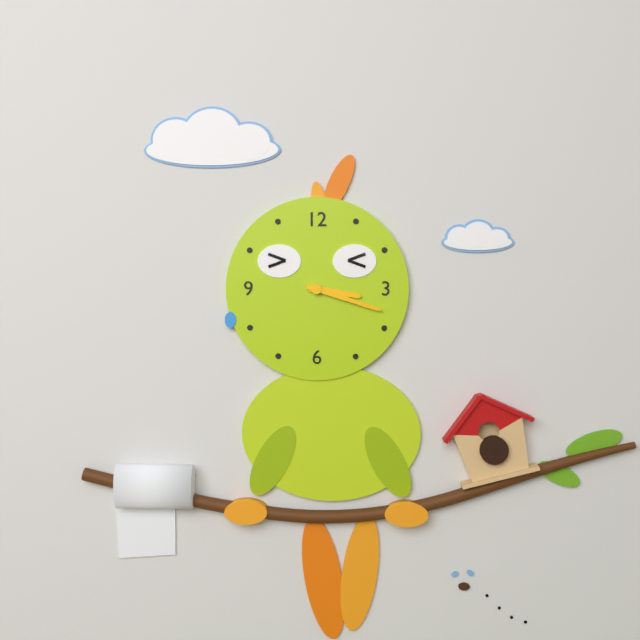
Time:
3:18
